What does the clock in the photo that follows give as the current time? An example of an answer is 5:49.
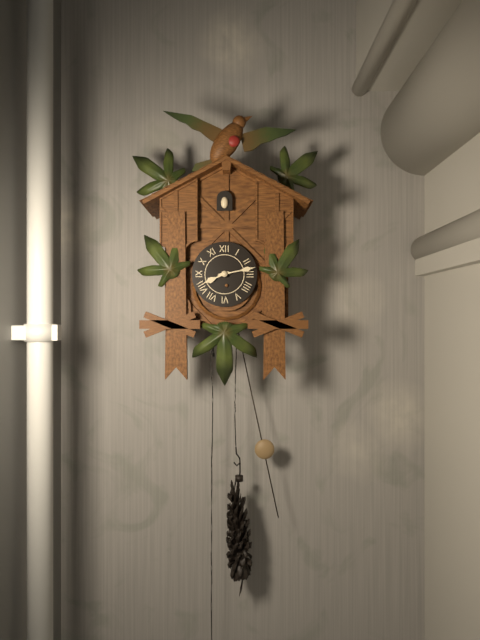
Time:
8:13
